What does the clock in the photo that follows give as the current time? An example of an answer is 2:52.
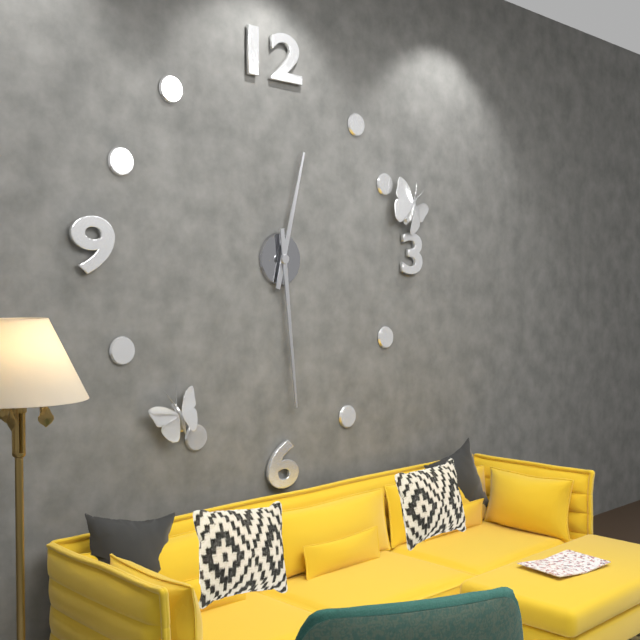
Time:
12:29
